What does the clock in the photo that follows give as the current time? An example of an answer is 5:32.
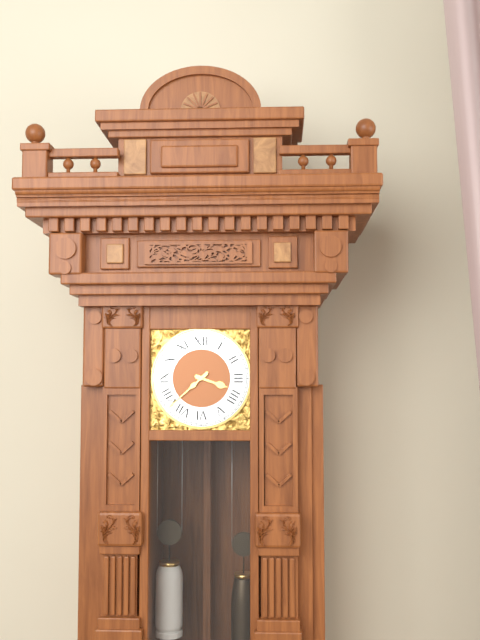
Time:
3:38
